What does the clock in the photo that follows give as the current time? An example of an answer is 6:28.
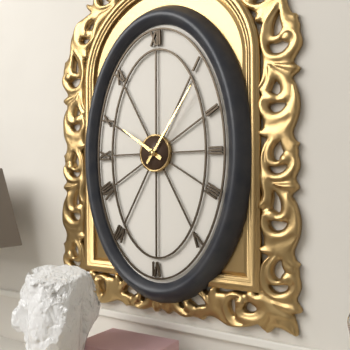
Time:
10:06
